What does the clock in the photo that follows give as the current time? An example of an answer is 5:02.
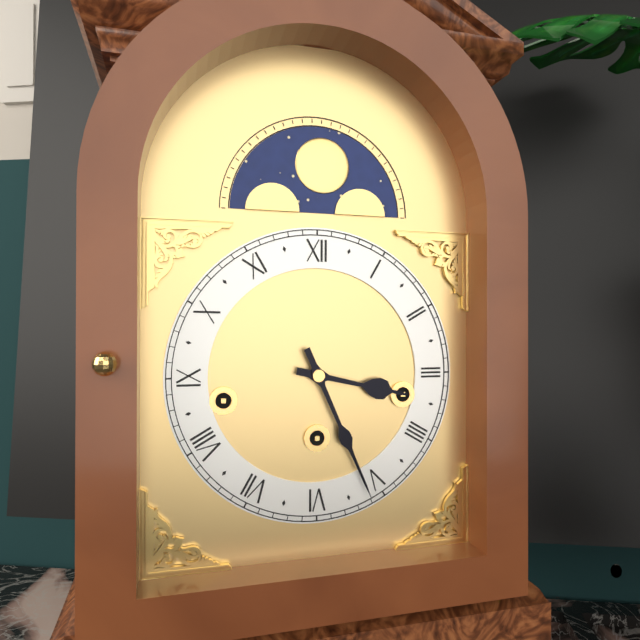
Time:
3:26
